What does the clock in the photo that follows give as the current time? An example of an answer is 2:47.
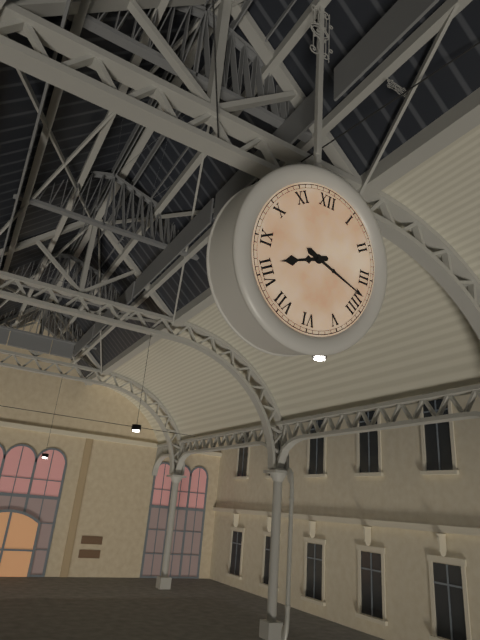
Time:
8:18
